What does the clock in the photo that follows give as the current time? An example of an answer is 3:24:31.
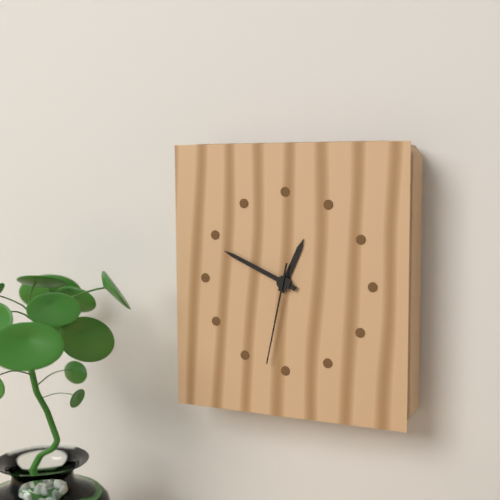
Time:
12:49:32
